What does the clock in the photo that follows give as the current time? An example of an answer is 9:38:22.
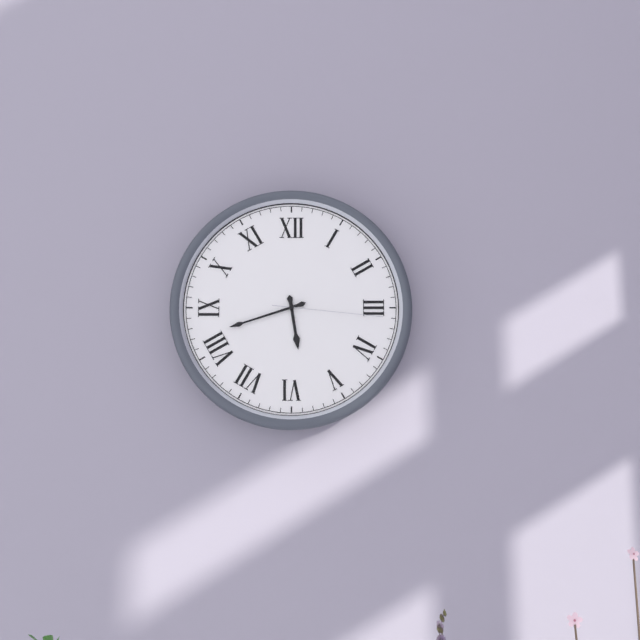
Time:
5:42:16
